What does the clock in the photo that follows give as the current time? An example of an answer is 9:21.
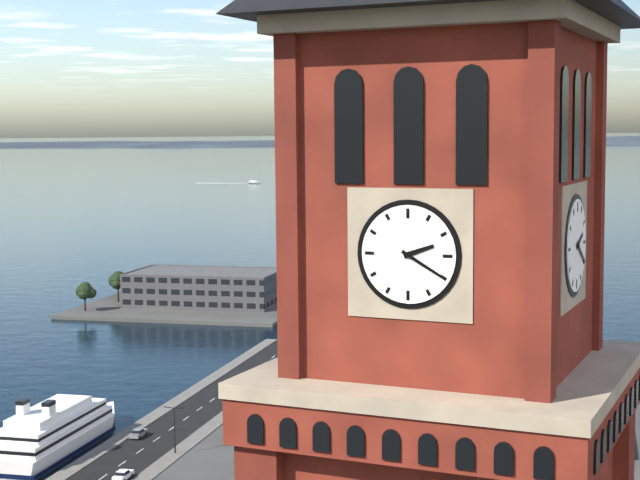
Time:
2:20
